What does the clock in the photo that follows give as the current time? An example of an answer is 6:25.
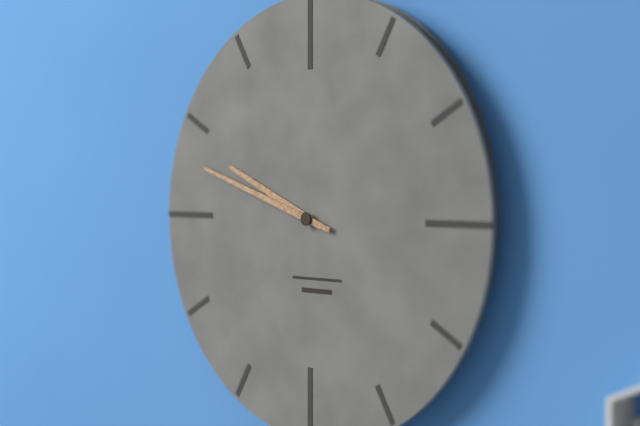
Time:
9:48
